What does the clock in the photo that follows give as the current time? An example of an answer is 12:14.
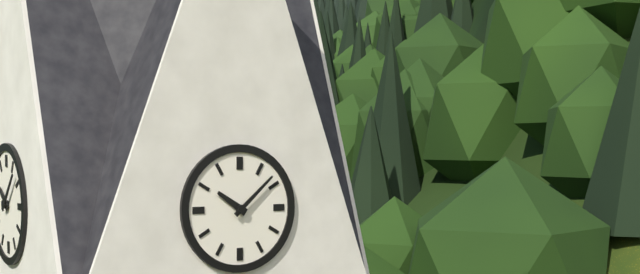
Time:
10:08
